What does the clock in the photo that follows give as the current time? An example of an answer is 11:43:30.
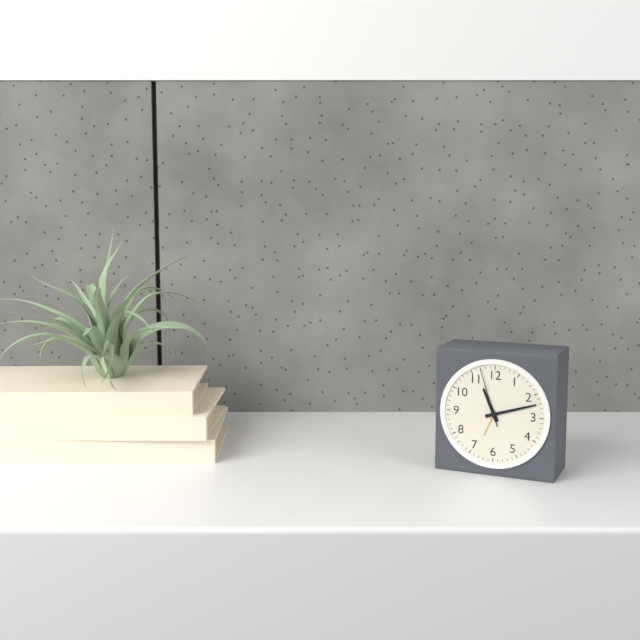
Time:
11:12:57
